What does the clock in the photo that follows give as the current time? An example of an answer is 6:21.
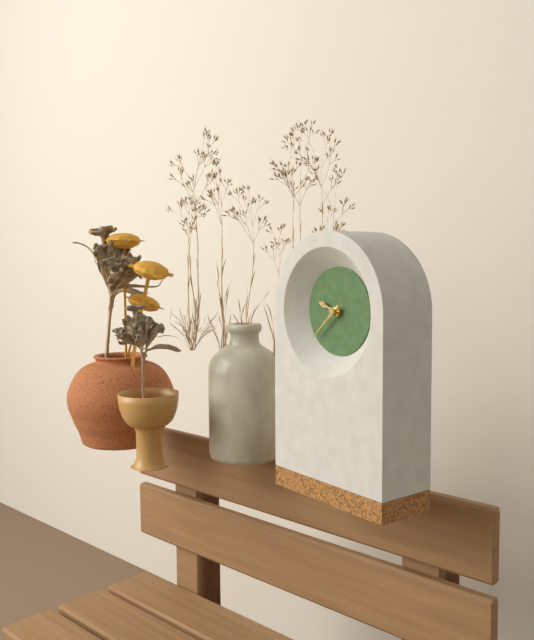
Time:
9:38
